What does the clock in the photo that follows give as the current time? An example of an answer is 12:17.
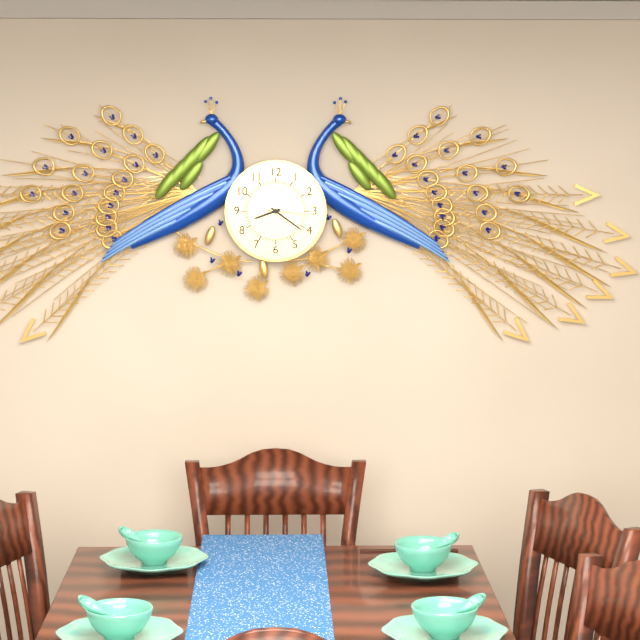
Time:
8:21
